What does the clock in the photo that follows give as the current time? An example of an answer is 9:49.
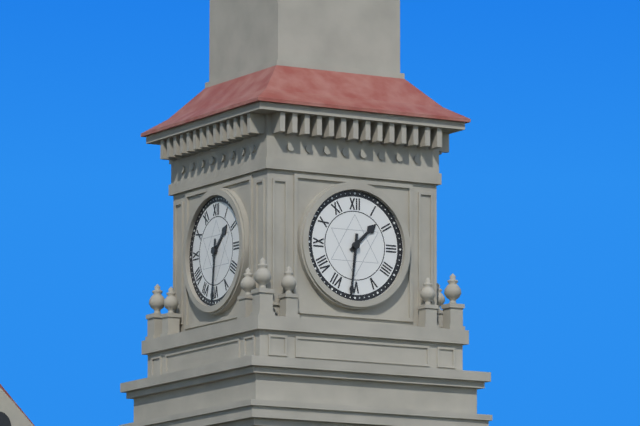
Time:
1:31
